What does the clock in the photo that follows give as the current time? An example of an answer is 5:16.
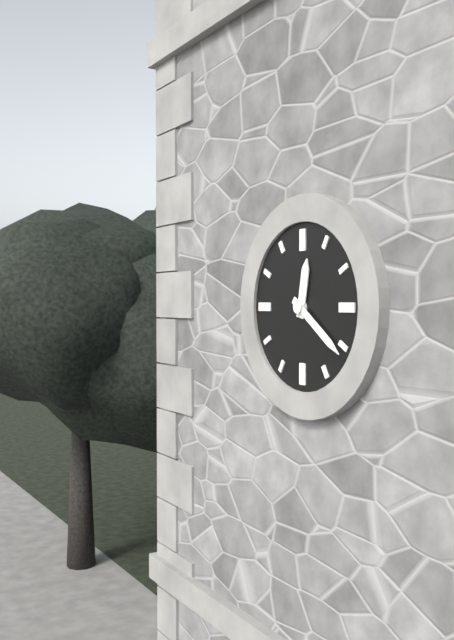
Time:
12:21
